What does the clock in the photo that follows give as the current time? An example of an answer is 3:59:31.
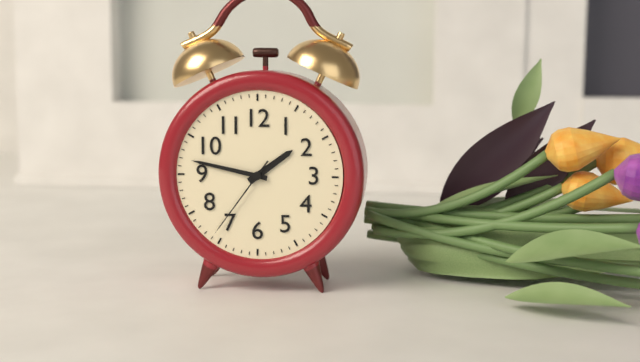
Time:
1:47:36
